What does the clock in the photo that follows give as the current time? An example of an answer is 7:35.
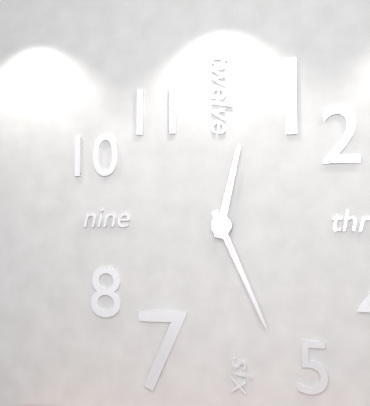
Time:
12:26
